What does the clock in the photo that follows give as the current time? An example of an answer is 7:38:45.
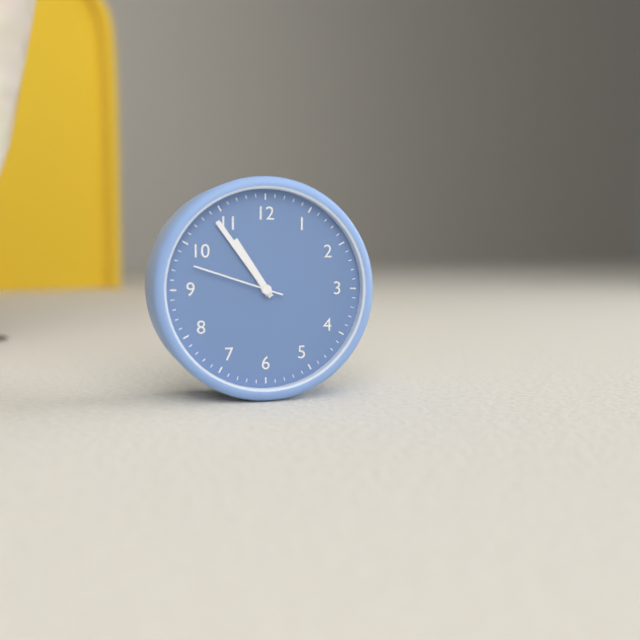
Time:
10:54:48
